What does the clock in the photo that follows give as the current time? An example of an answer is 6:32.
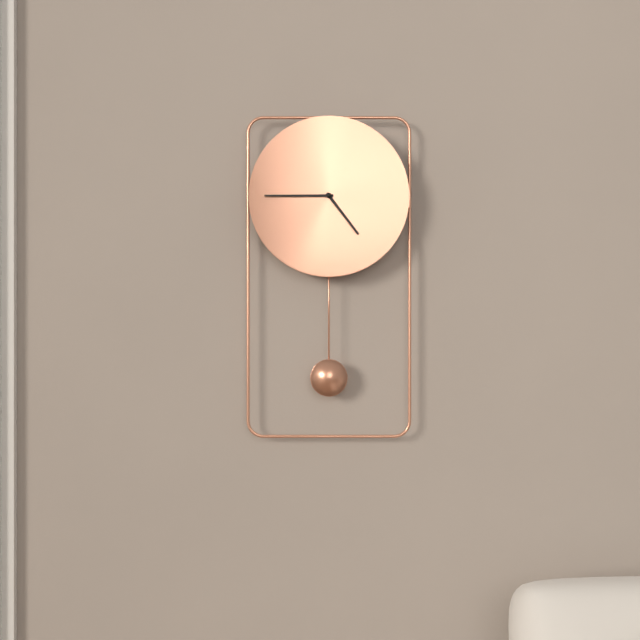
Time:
4:45
